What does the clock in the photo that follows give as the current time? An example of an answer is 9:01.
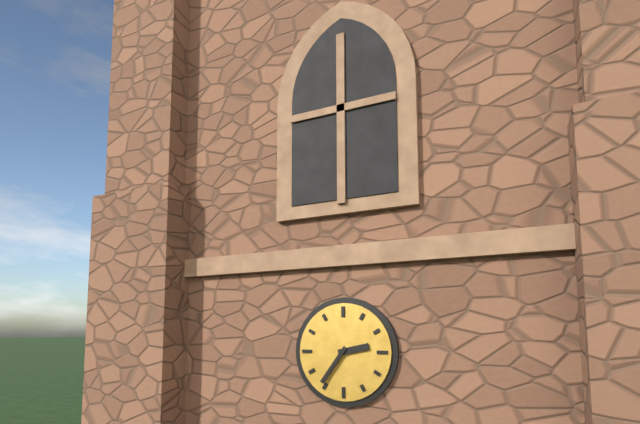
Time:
2:36
